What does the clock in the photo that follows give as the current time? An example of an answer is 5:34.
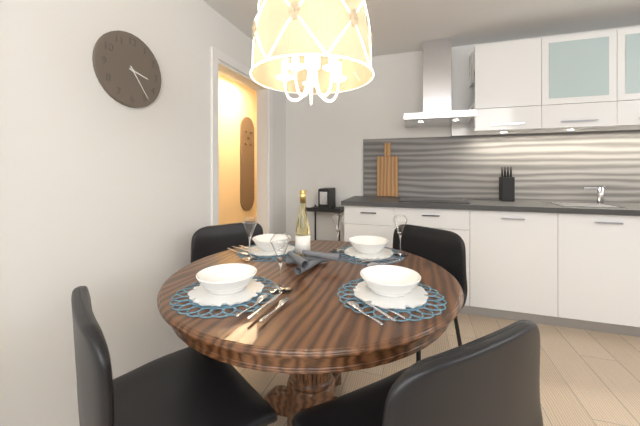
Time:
3:24
